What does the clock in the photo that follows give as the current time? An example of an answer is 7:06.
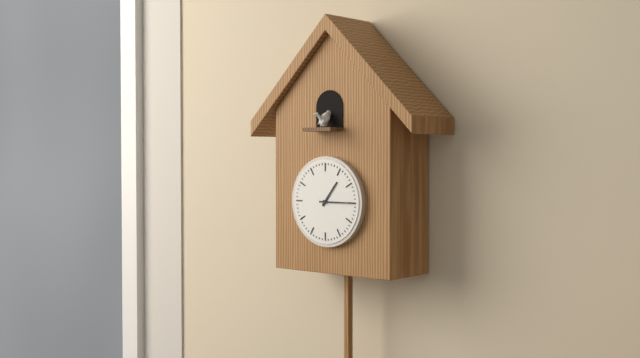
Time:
1:15
